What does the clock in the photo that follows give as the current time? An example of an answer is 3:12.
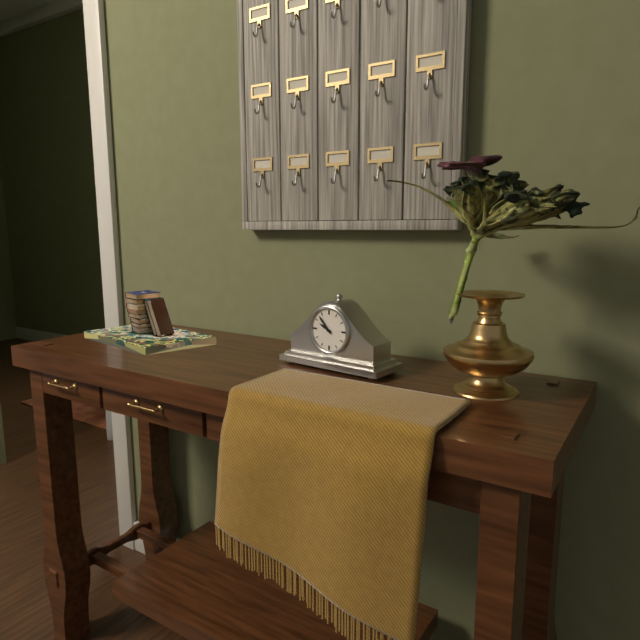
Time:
9:53
